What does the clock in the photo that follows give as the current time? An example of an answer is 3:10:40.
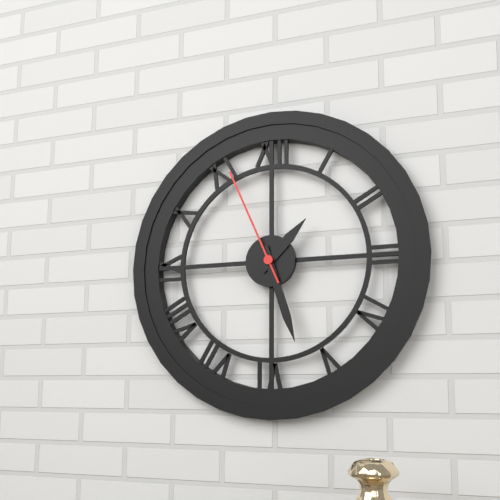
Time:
1:27:56
